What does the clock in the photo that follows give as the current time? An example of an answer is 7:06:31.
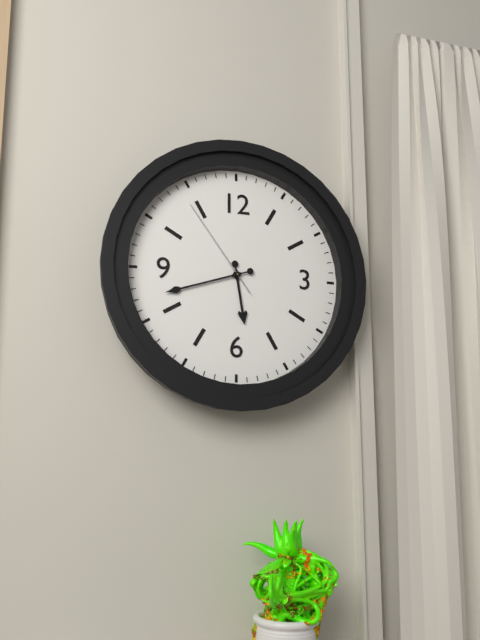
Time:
5:42:54
